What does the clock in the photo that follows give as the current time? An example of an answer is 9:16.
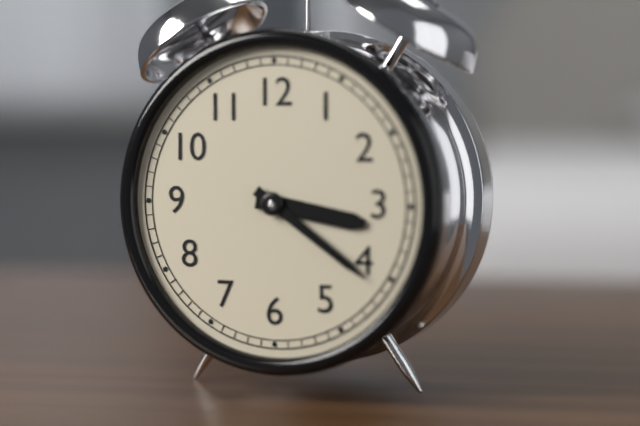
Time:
3:21
